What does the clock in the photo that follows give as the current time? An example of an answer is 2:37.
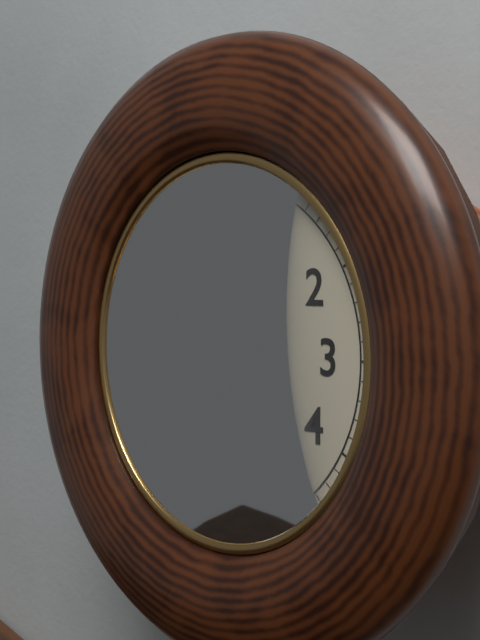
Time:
11:47
